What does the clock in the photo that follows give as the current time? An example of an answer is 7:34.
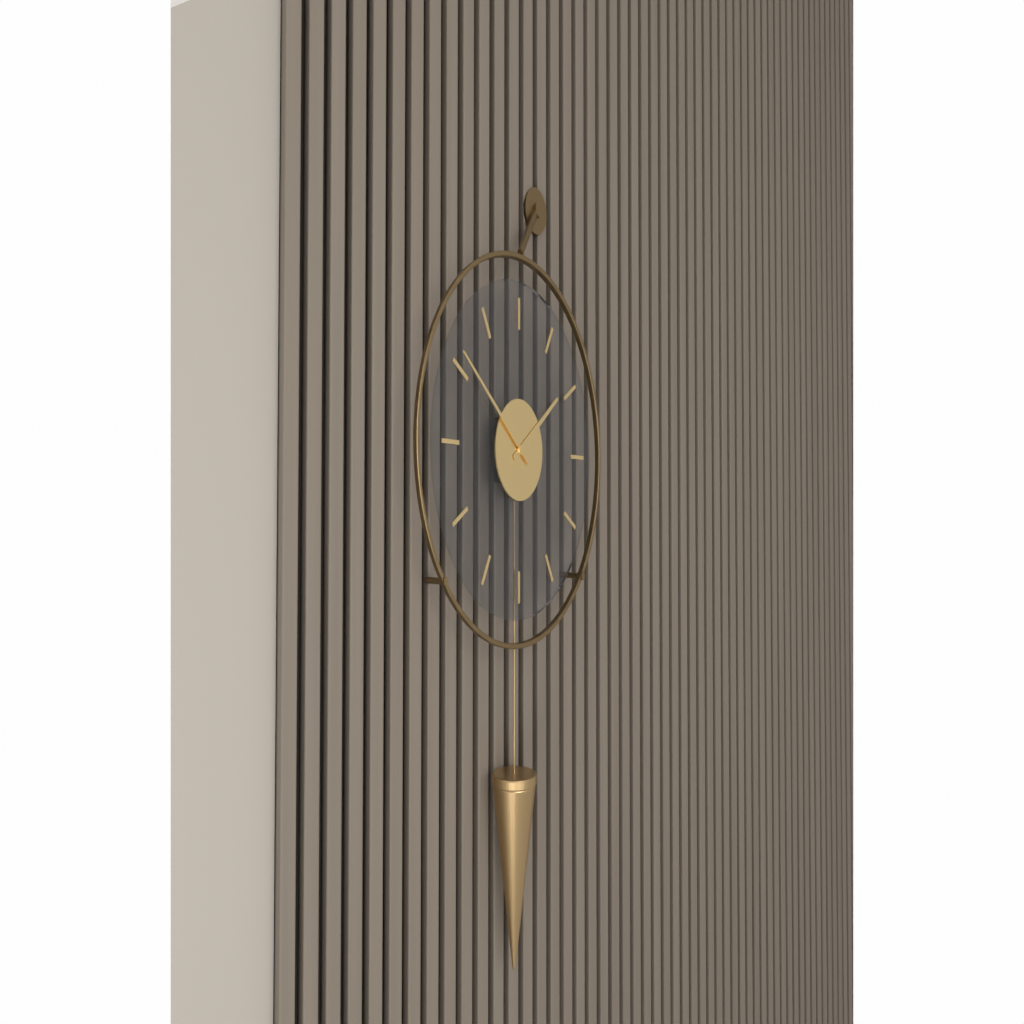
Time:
1:51
